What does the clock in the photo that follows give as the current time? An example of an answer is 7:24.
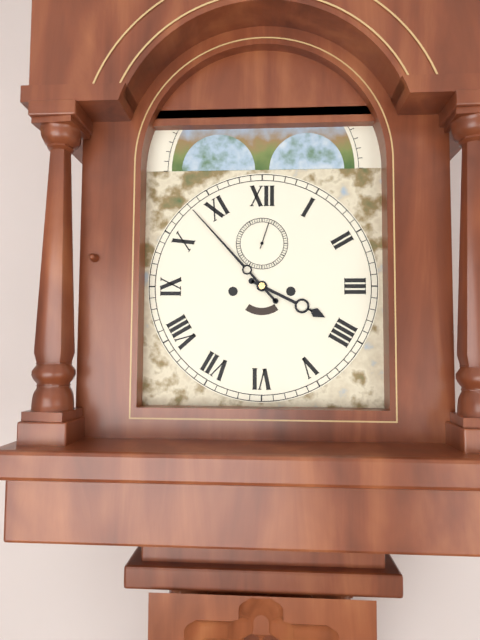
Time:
3:53
